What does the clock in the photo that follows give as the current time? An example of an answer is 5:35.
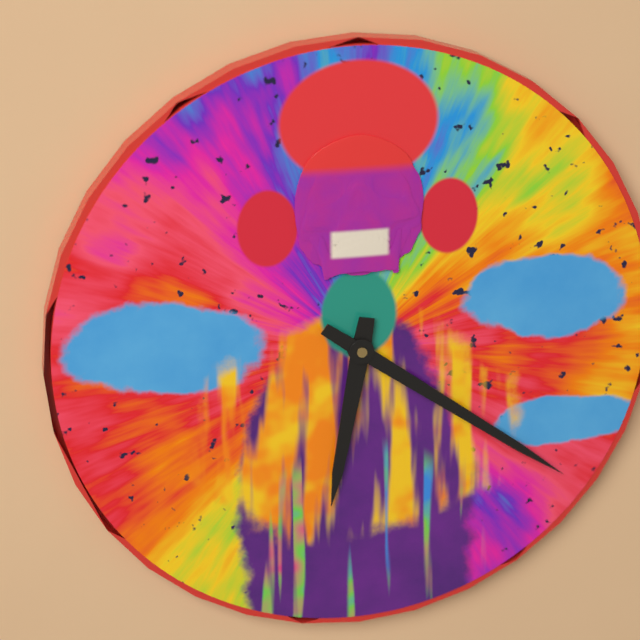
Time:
6:21
